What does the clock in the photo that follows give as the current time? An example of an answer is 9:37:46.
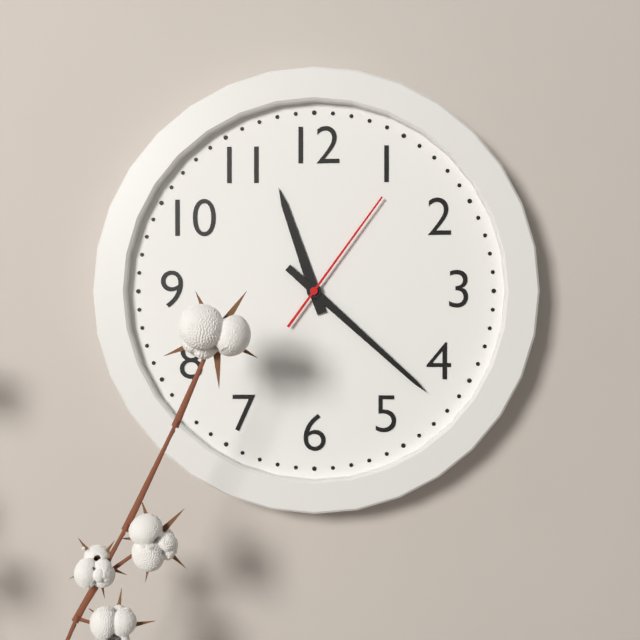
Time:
11:22:06
